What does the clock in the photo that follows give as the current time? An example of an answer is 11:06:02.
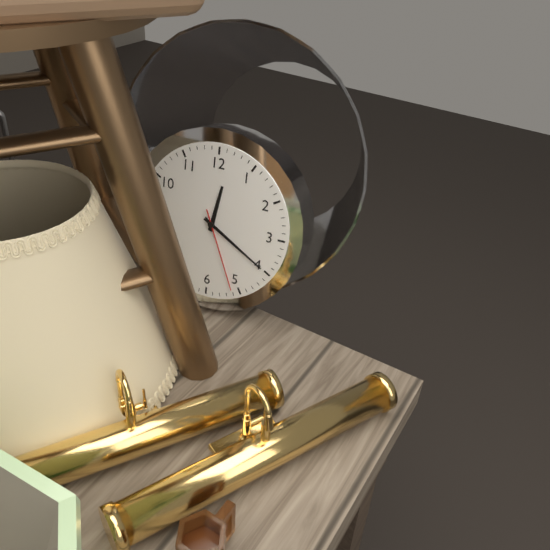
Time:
12:20:26
